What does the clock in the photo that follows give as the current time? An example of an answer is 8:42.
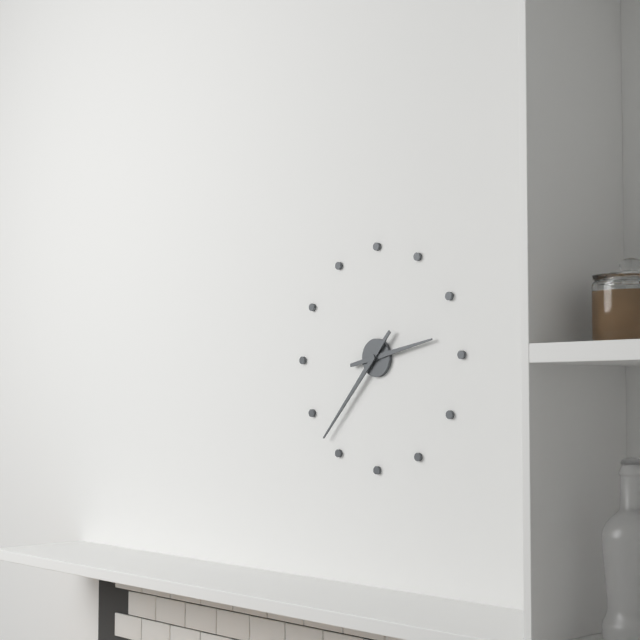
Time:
2:37
